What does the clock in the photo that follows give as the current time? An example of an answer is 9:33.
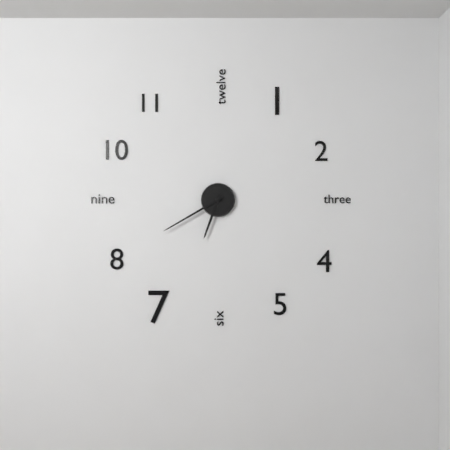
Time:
6:40
